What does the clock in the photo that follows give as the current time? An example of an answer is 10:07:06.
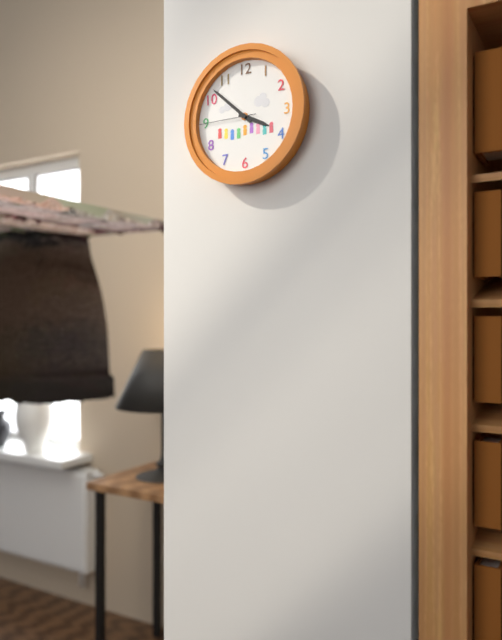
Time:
3:52:45
